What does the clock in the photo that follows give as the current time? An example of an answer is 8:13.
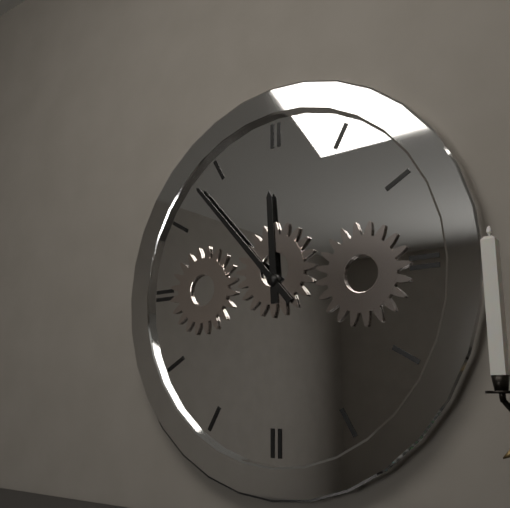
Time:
11:53
